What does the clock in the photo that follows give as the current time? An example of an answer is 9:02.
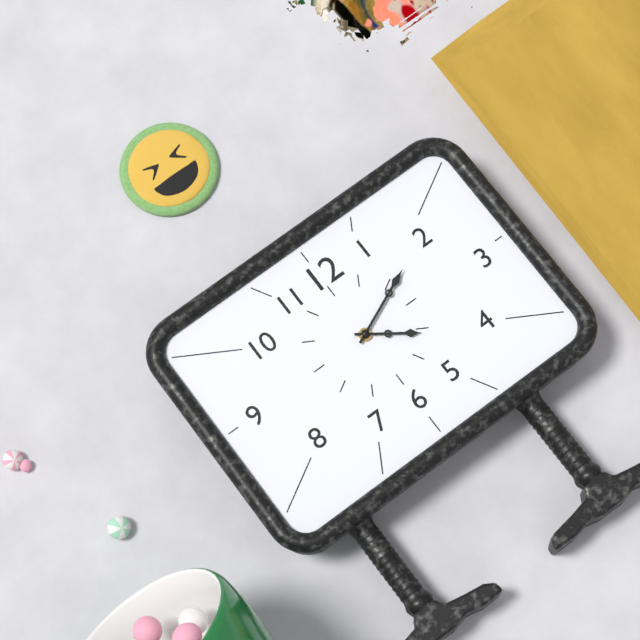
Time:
4:11
